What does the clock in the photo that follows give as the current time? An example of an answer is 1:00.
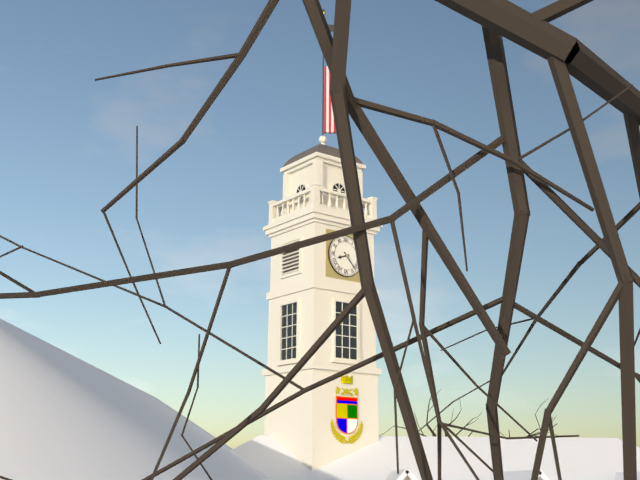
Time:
8:23
